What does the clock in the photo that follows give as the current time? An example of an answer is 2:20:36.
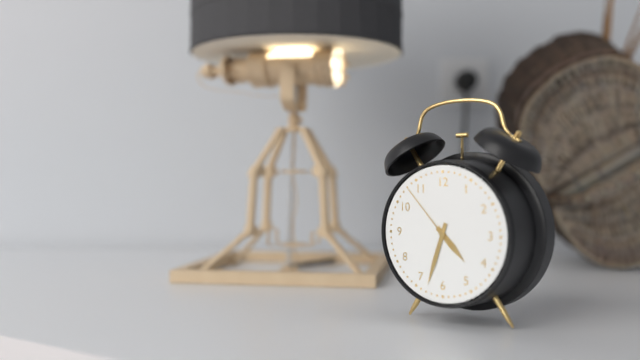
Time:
4:33:53
